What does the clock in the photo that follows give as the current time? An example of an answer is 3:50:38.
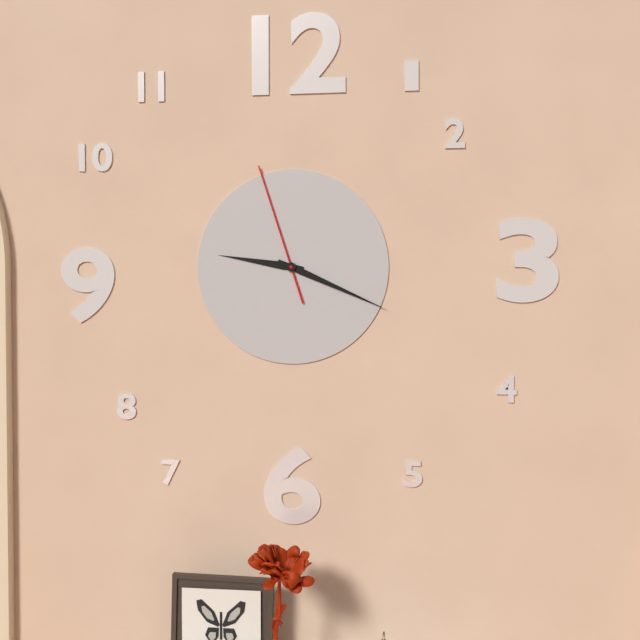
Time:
9:19:57
